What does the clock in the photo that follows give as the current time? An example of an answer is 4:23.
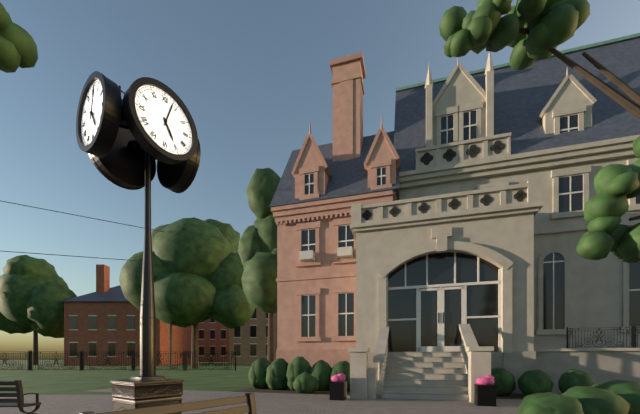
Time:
5:03
